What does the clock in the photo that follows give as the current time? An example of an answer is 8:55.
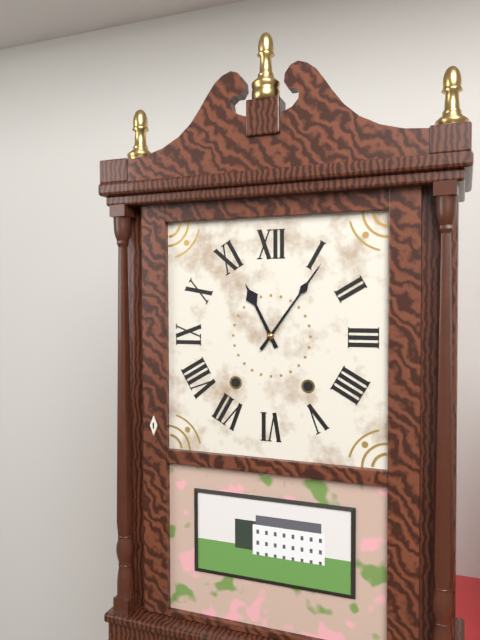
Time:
11:06
